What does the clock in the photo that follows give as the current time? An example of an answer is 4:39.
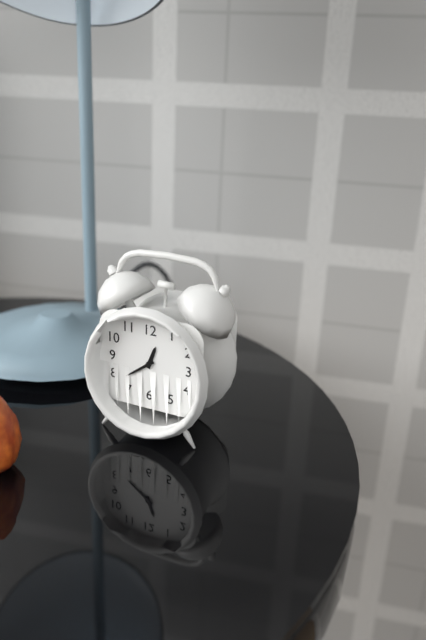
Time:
12:39
